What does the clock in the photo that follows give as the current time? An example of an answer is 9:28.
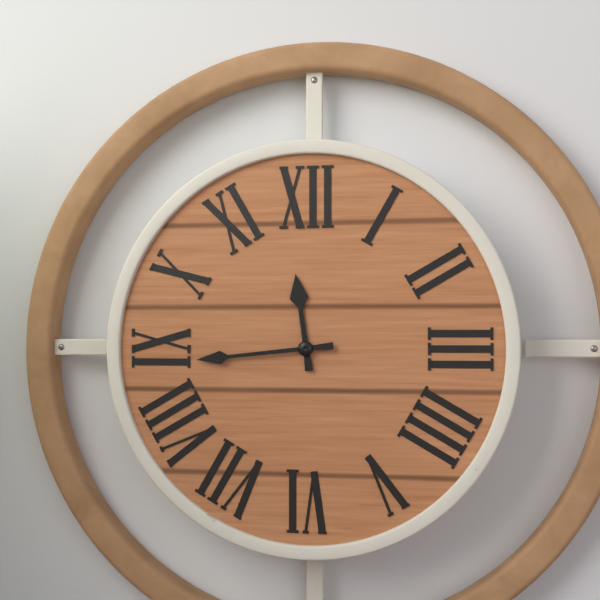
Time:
11:44
